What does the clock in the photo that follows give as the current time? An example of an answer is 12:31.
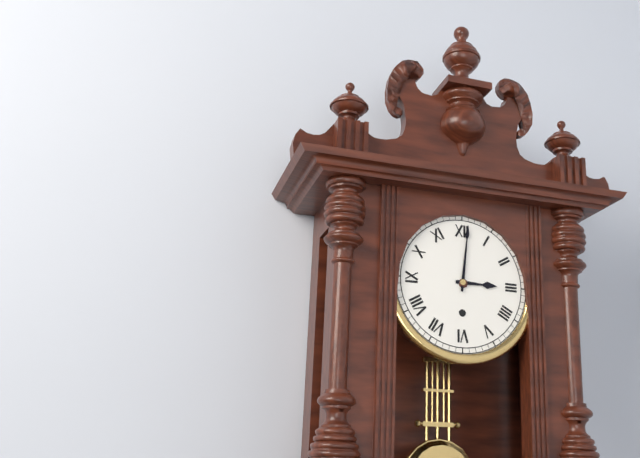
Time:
3:01
